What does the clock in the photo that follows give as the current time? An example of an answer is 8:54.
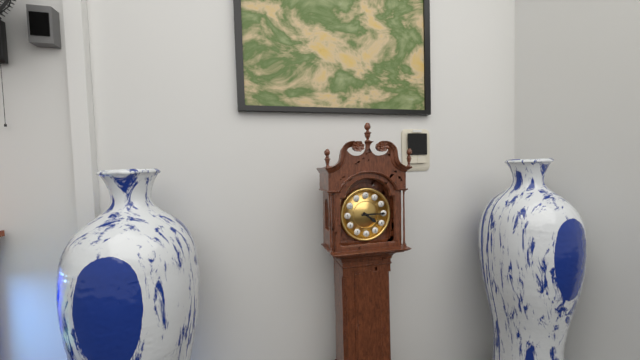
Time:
4:15
